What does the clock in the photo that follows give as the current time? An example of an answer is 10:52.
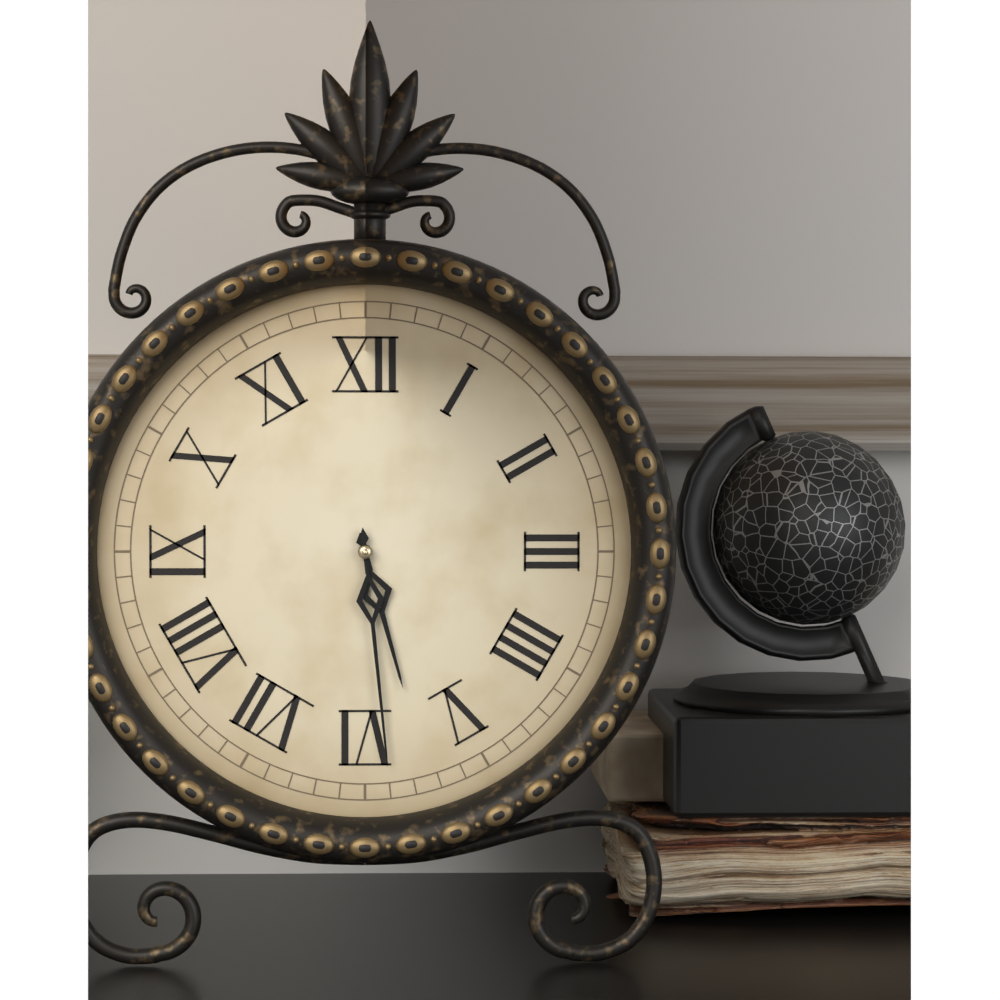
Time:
5:29
